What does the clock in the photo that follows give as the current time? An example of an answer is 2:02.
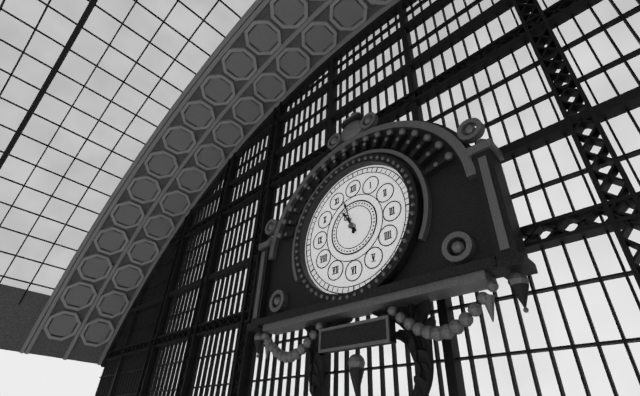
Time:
10:57
